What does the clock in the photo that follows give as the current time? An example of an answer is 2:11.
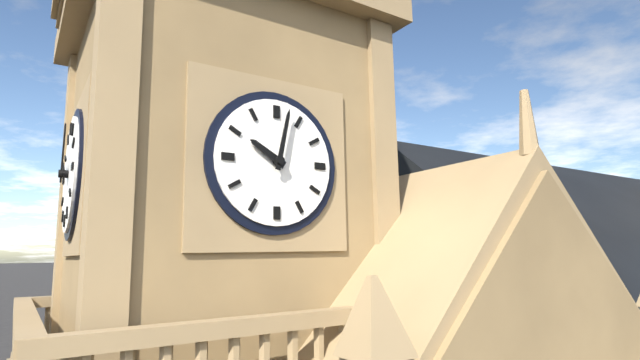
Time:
10:02
